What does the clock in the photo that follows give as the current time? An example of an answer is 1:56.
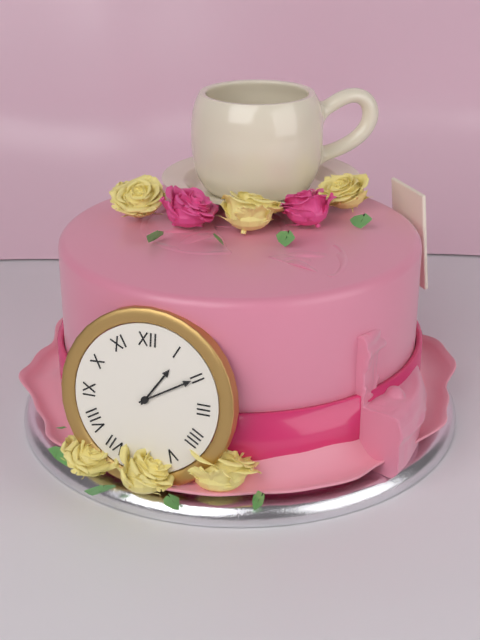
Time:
1:10
